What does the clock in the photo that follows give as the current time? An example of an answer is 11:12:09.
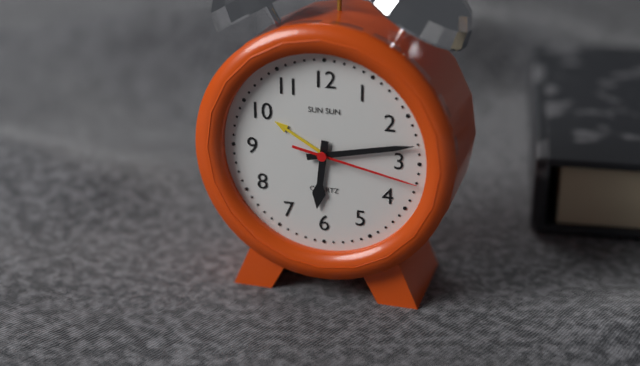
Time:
6:13:17
